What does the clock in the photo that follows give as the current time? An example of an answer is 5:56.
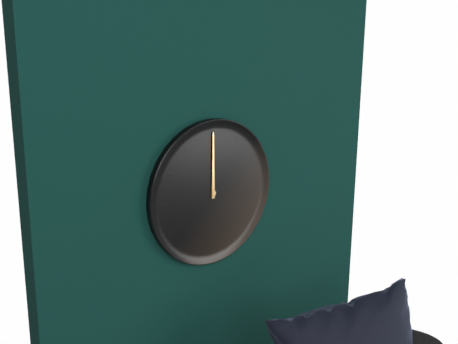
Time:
12:00
